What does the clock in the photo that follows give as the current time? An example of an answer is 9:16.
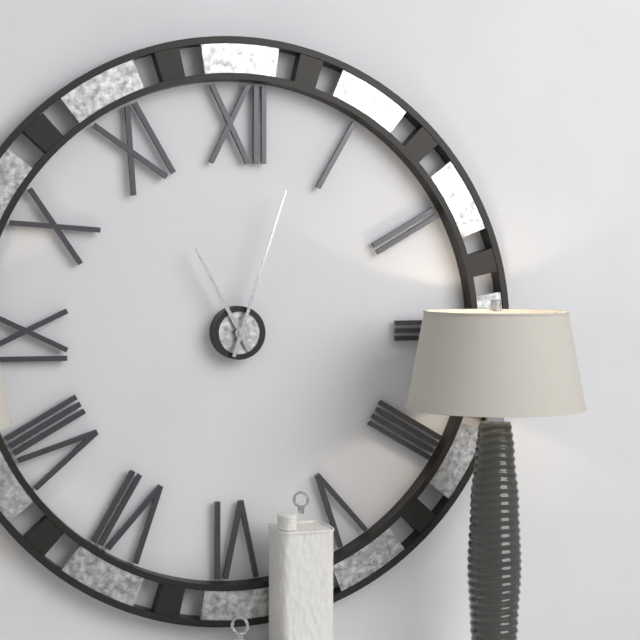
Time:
11:03
